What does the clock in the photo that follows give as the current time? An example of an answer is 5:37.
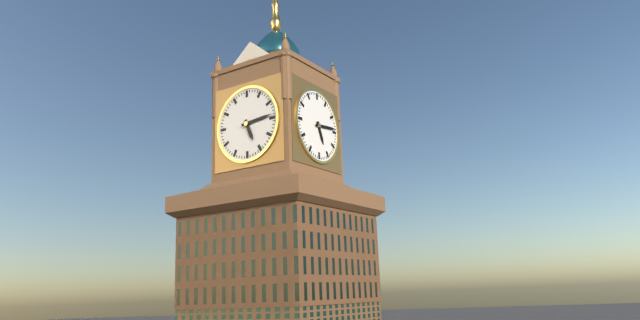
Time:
5:14
